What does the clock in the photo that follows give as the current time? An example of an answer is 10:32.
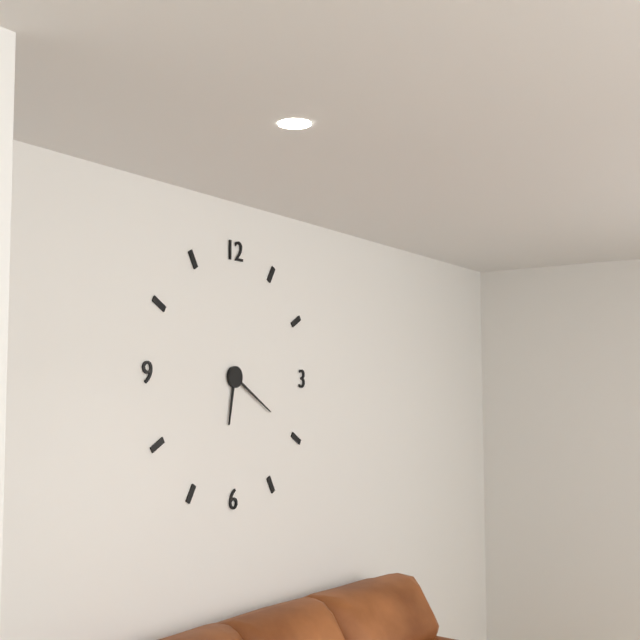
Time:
6:20
